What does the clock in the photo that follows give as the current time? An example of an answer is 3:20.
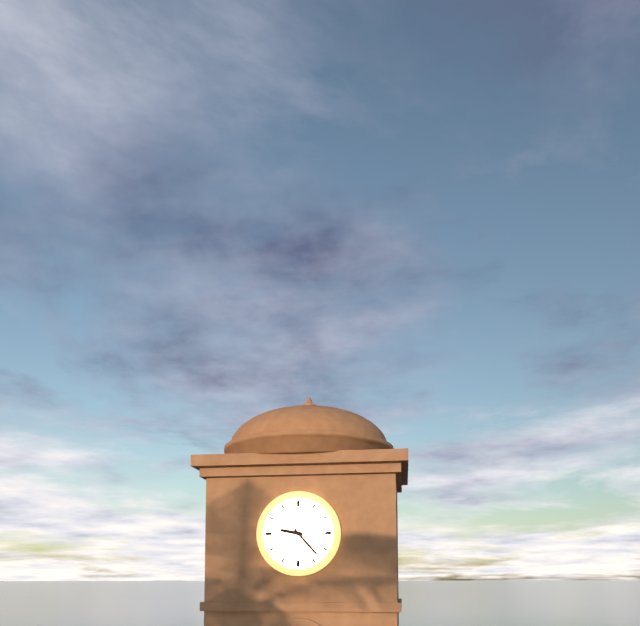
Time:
9:23
